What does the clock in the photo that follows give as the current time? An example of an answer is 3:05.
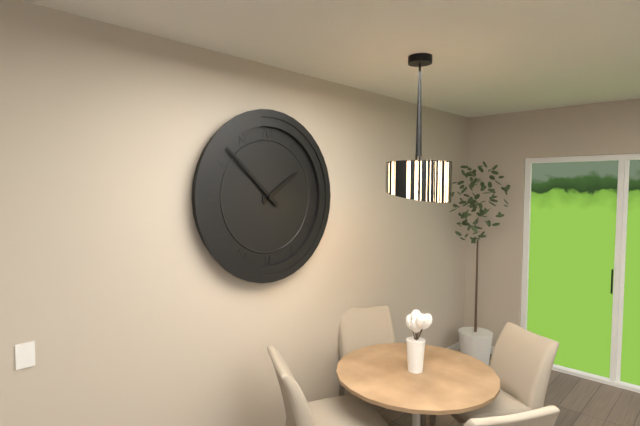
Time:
1:52
